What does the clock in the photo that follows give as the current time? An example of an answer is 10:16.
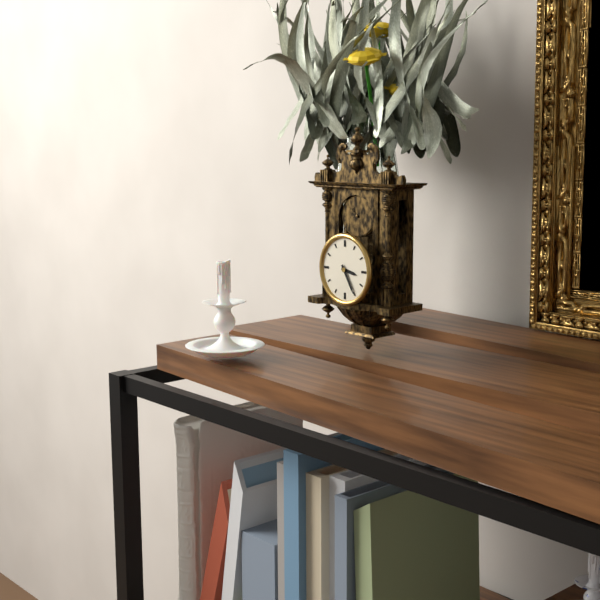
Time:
3:25
